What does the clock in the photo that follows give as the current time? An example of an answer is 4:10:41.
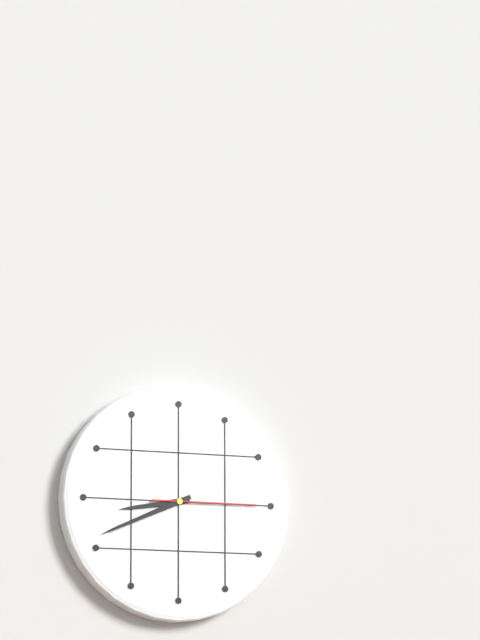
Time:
8:41:15
